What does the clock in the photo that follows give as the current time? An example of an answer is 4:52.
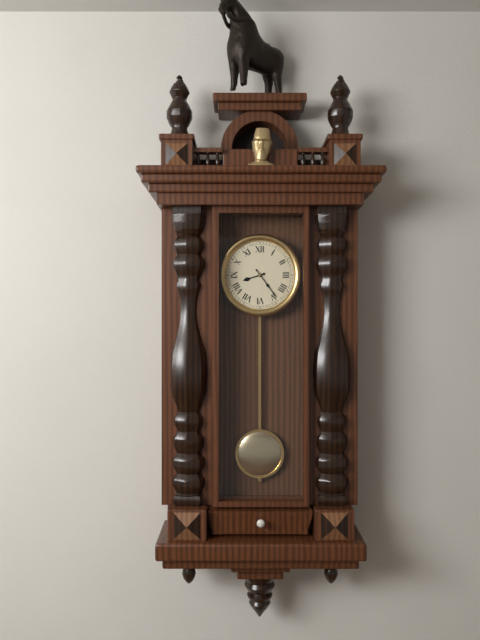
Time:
8:24
